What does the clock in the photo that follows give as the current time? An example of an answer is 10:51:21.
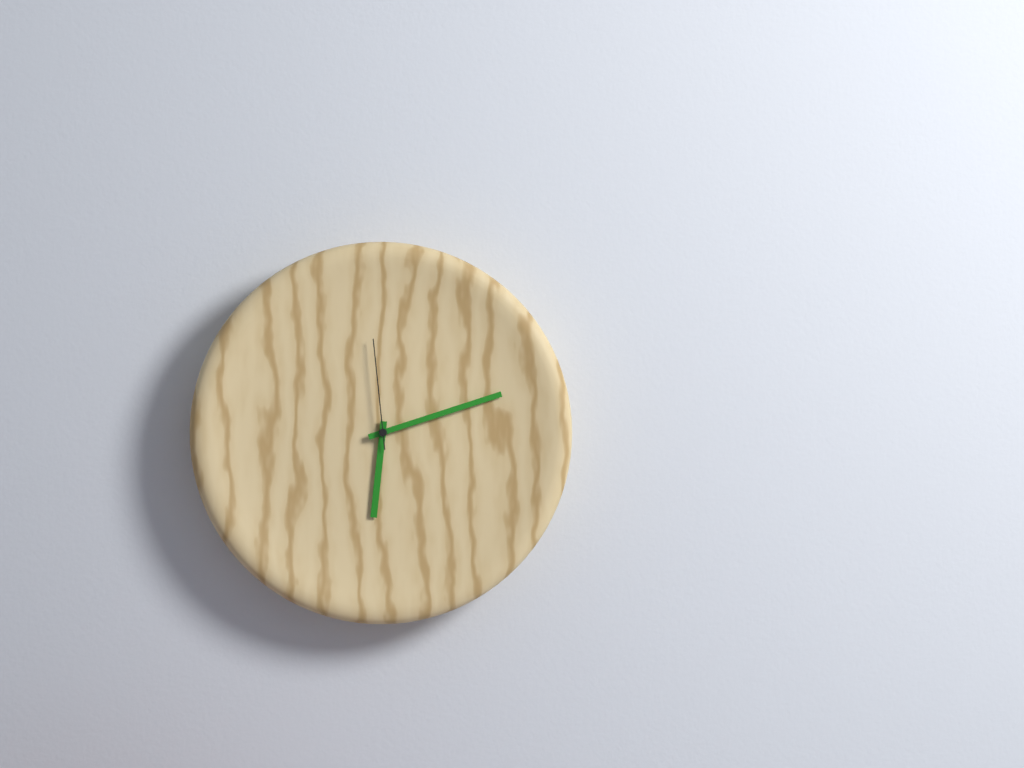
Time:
6:12:59
